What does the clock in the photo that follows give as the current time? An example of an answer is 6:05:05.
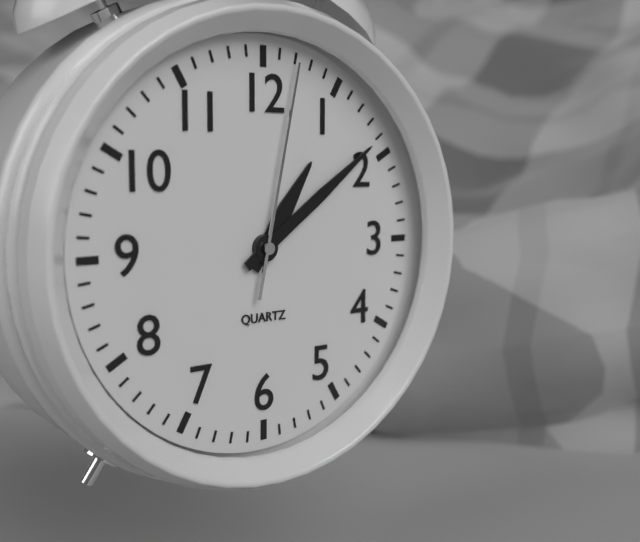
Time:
1:09:02
